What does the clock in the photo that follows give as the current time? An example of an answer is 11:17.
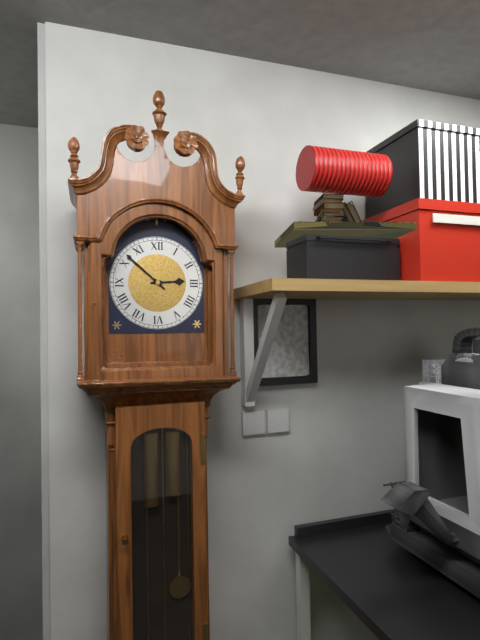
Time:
2:52
